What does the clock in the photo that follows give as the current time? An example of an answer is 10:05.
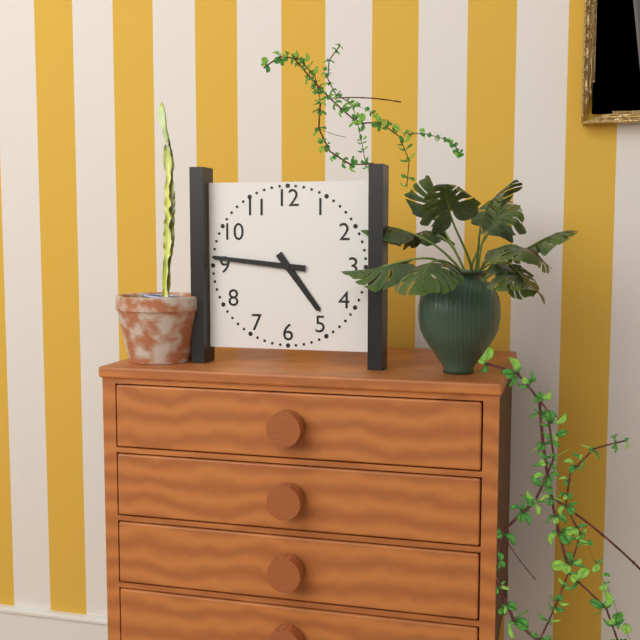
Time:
4:46
